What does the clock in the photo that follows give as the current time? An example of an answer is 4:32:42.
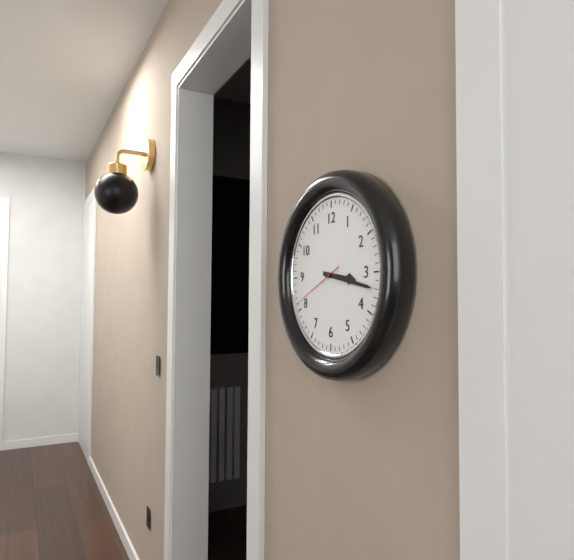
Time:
3:17:41
